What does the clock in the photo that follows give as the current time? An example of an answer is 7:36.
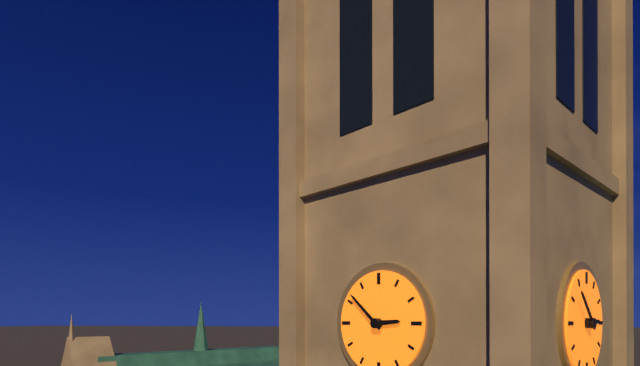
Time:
2:52
